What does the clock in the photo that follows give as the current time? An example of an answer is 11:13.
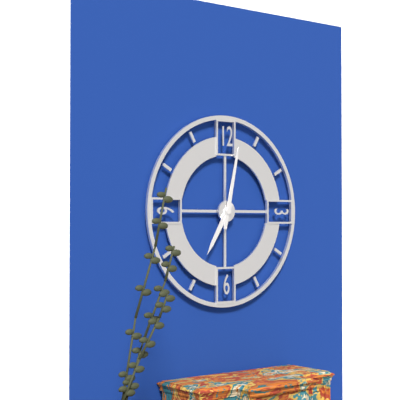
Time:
7:02
